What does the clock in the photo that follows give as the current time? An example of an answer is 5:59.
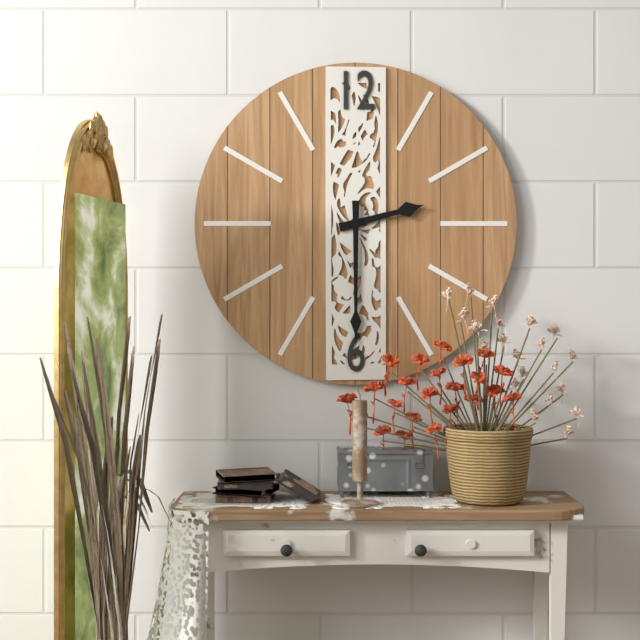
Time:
2:30
